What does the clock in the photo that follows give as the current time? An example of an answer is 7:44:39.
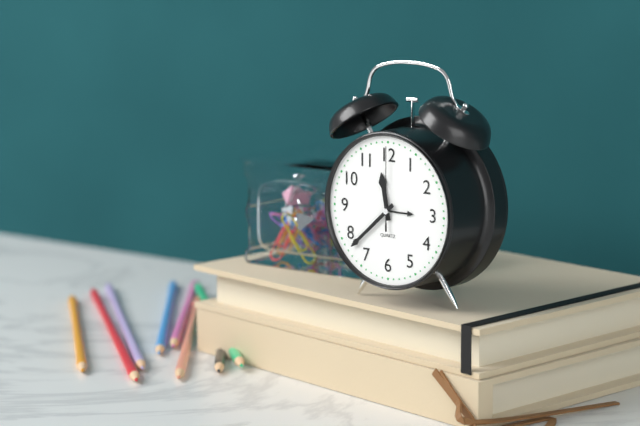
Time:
11:38:00
